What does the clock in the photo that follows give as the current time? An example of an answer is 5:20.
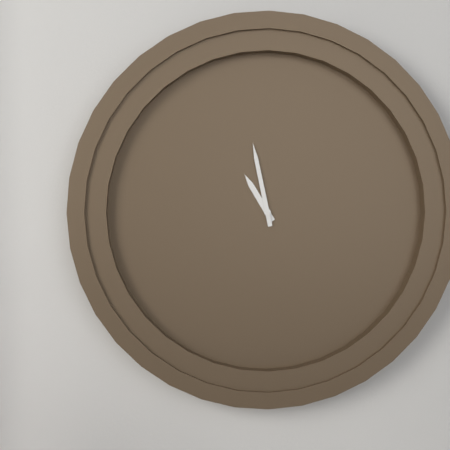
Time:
10:58
